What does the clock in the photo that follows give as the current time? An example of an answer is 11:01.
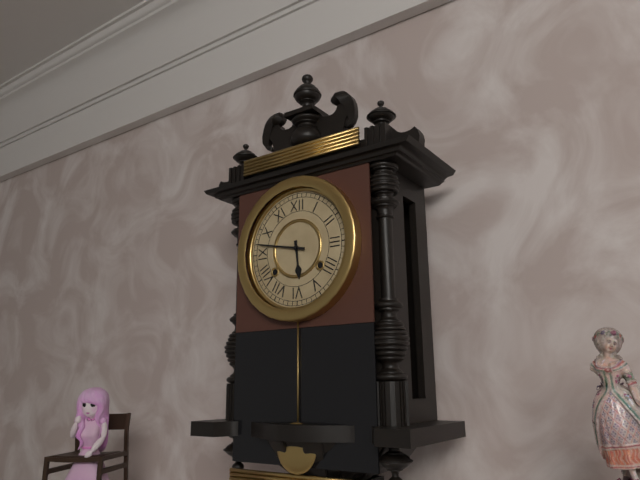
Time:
5:47
